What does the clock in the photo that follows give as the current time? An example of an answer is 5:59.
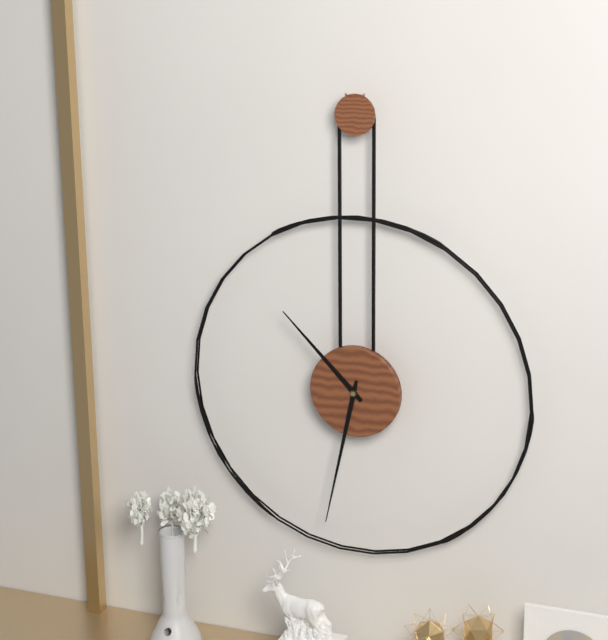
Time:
10:32
